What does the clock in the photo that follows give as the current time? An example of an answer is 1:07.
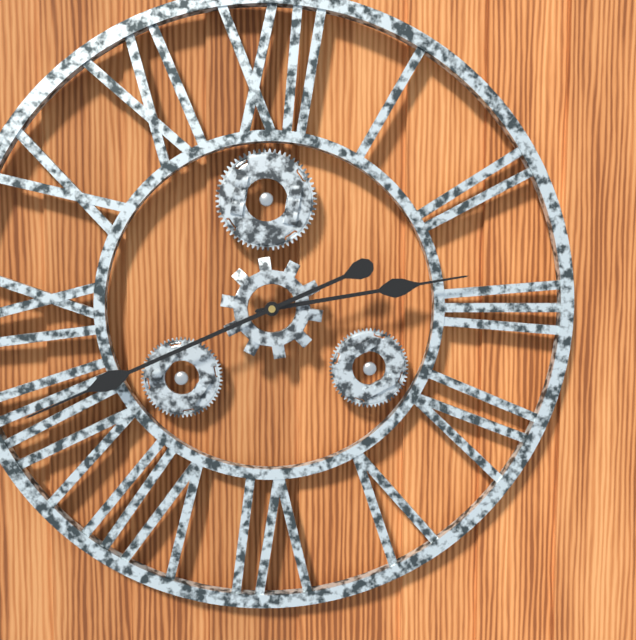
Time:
2:41
